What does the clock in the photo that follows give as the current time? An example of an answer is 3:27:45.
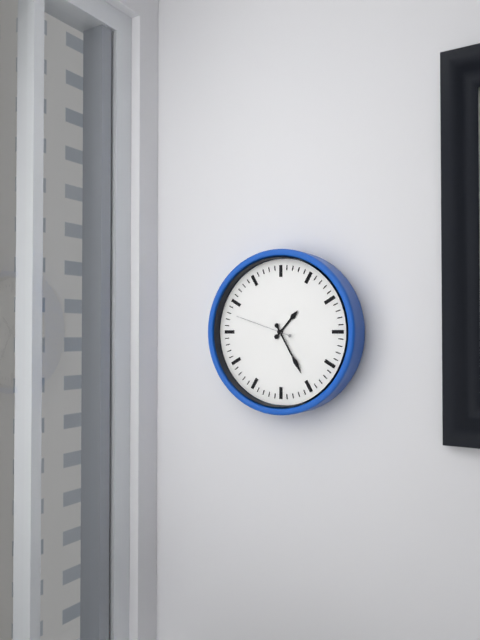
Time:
1:25:48
